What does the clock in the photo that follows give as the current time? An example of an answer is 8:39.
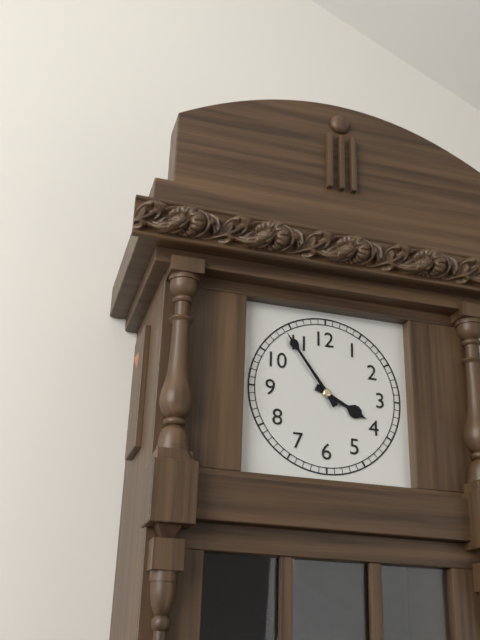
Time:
3:54
